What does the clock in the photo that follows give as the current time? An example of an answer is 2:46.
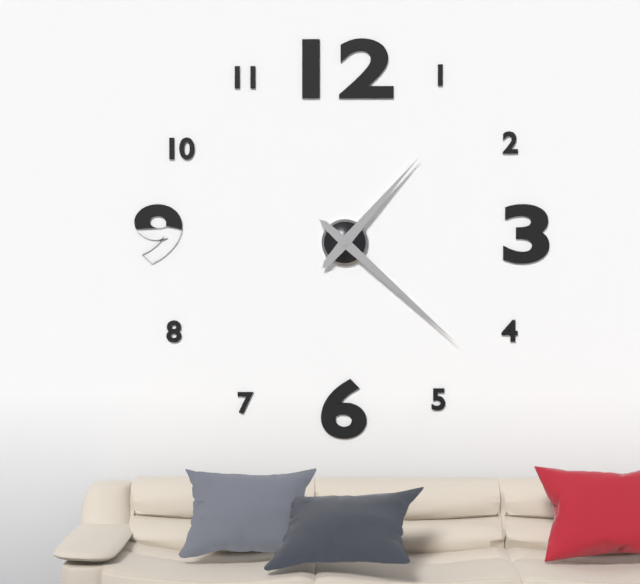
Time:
1:22
